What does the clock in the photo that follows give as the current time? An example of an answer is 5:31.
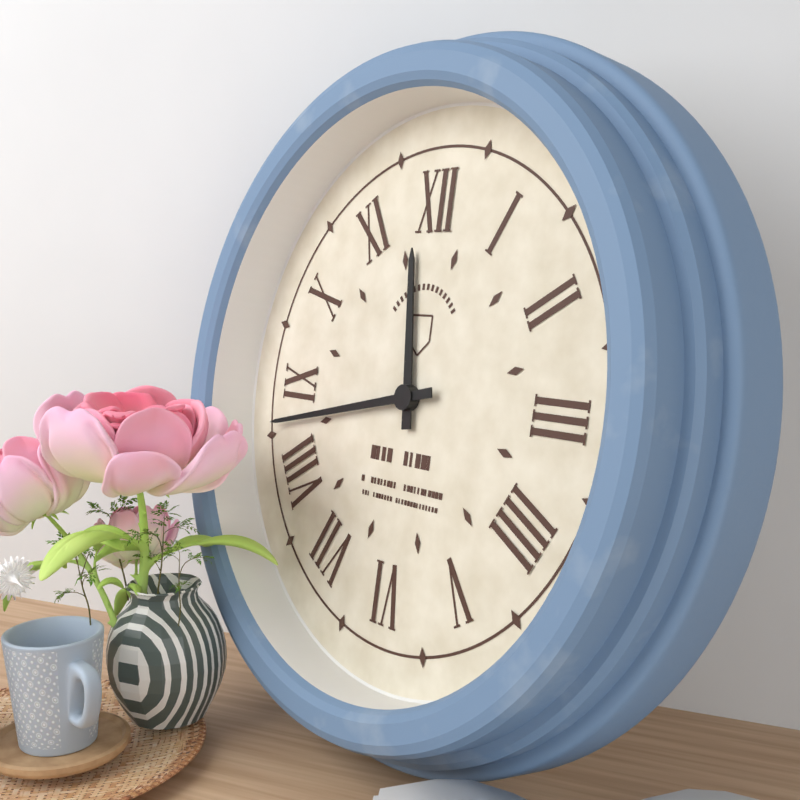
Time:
11:43
